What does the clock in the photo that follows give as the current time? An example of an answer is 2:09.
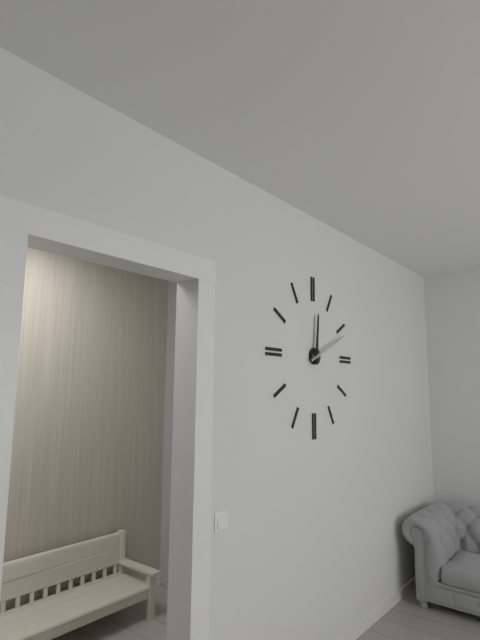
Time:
12:11
